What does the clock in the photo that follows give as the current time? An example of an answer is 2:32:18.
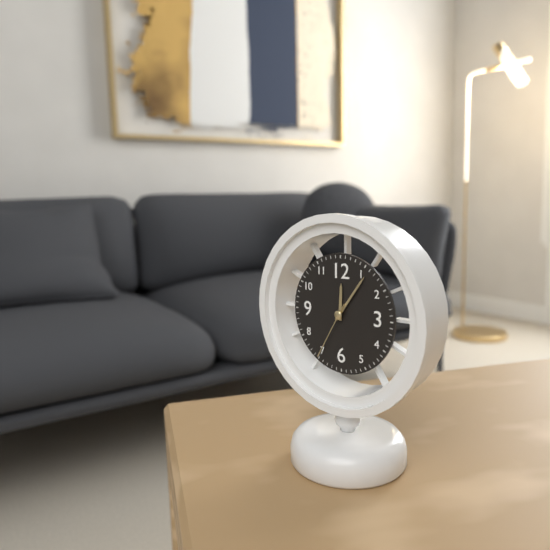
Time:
12:06:35
